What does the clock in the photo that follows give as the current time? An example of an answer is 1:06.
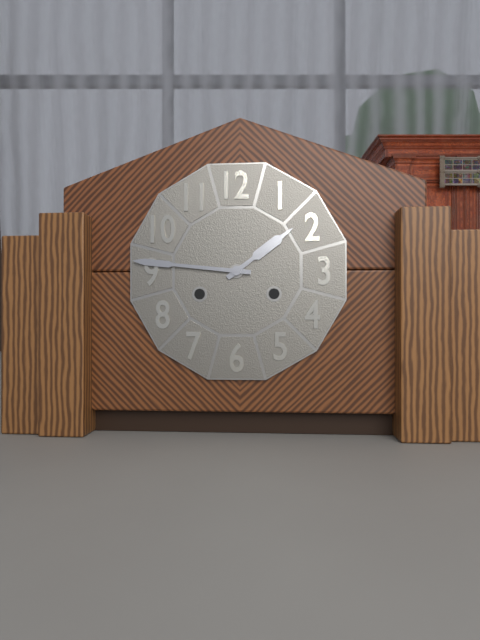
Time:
1:46
